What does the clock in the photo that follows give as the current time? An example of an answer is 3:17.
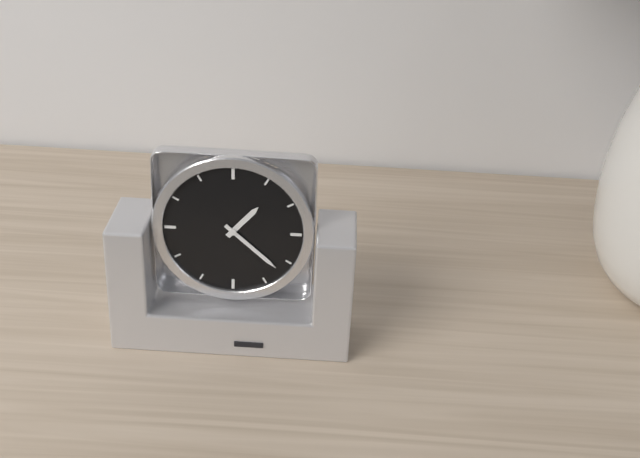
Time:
1:22
